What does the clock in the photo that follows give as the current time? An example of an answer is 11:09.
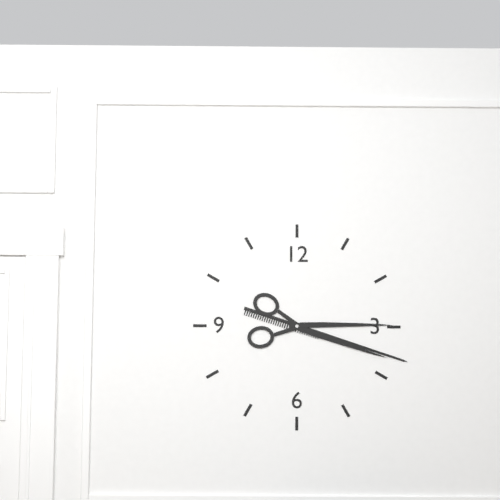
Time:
3:18
